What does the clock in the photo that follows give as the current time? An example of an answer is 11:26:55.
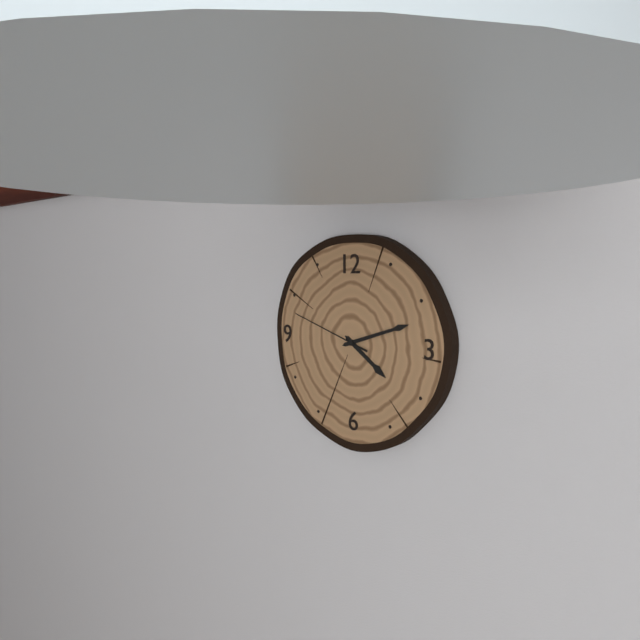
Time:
4:12:48
